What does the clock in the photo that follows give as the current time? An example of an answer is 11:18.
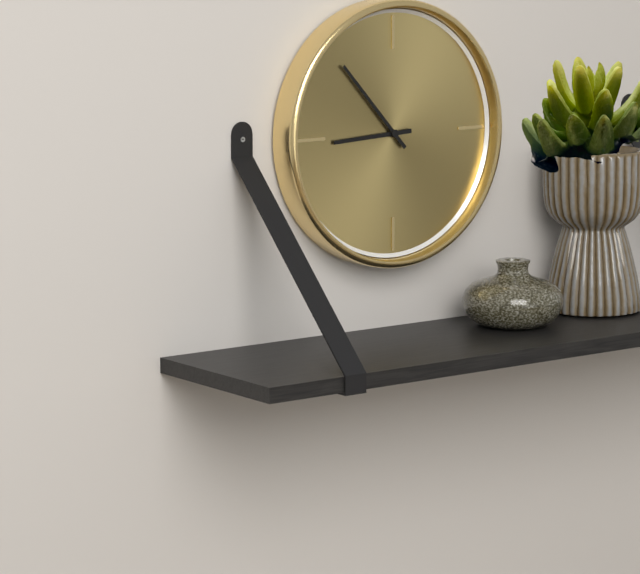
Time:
8:53
